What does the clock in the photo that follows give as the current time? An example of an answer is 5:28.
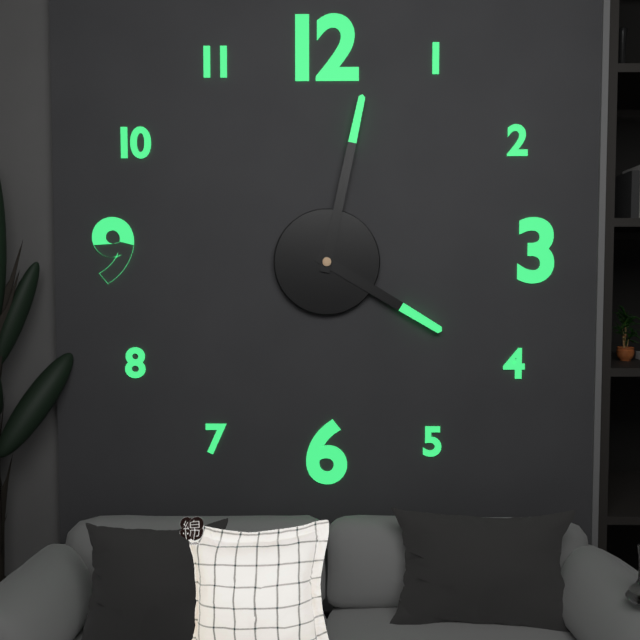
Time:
4:02
